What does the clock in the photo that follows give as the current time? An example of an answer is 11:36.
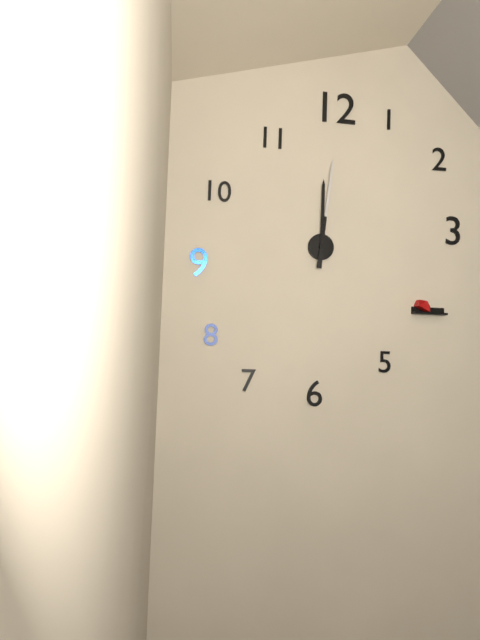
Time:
12:01
